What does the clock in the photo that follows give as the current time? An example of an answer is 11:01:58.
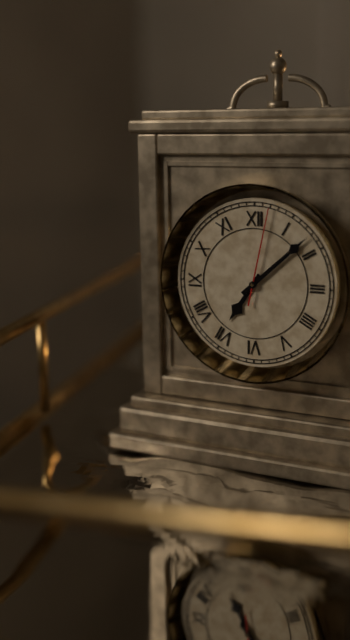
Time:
7:08:02
